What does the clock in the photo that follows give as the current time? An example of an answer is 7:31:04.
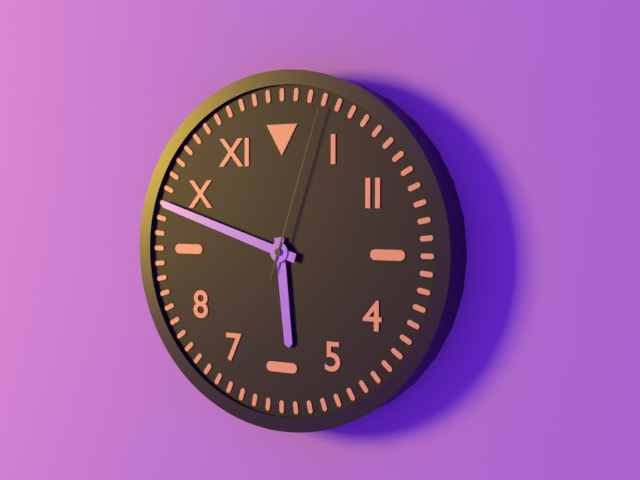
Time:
5:48:03
